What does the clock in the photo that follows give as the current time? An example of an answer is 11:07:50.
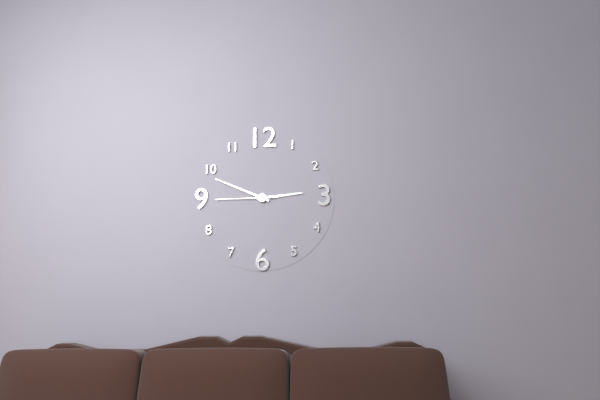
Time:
2:49:45
